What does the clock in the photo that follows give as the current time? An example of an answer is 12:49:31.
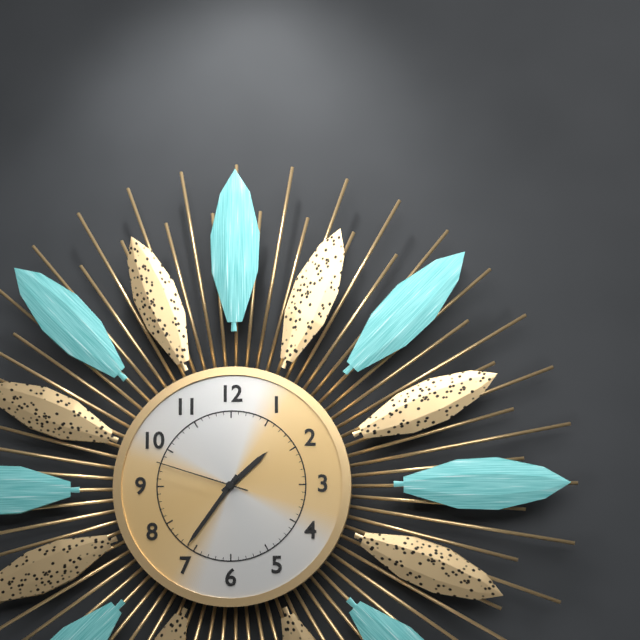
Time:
1:36:48
